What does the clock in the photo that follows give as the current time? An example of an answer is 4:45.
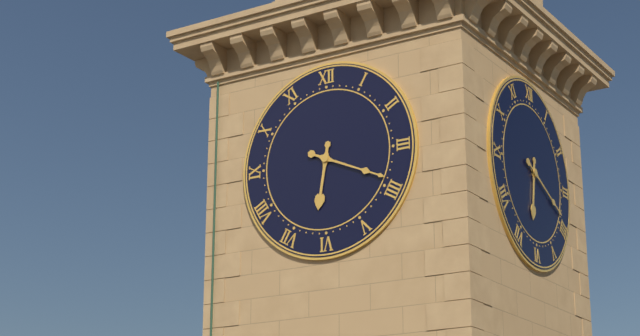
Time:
6:19
